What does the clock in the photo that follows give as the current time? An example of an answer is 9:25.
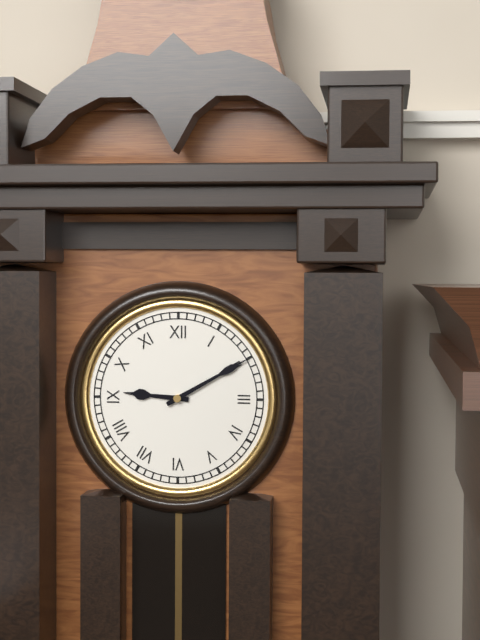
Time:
9:10
